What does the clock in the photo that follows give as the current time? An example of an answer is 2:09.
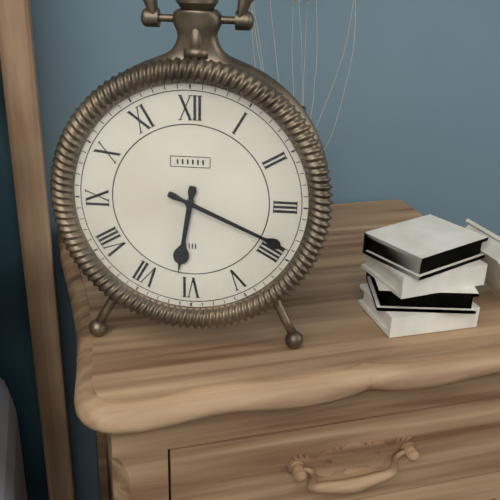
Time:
6:19
